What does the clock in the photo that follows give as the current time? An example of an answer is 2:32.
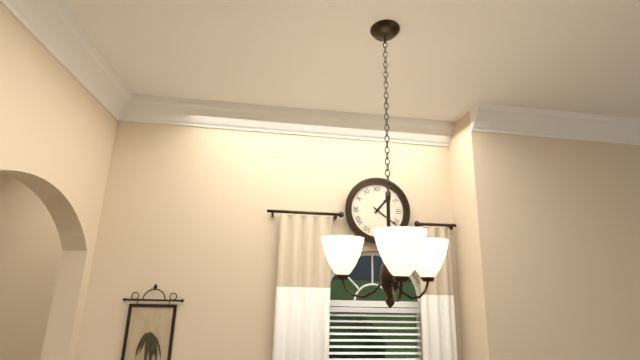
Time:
1:21
